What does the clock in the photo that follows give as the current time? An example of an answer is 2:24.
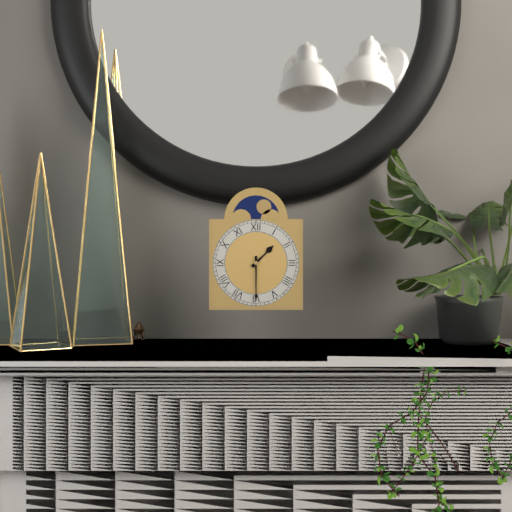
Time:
1:30
